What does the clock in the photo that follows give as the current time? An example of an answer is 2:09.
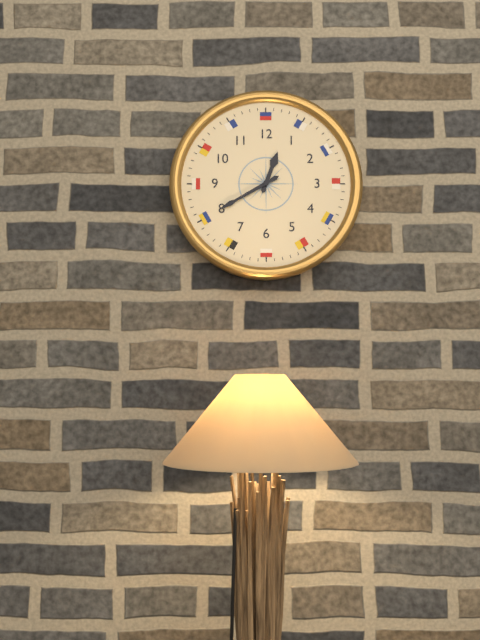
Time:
12:40
